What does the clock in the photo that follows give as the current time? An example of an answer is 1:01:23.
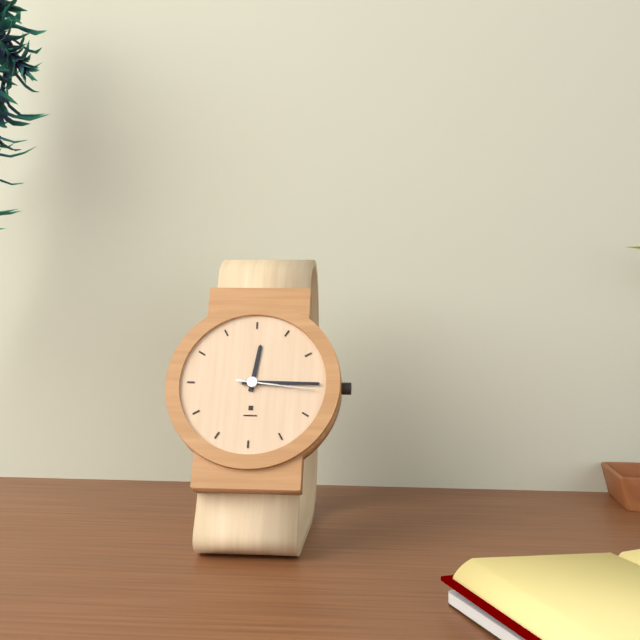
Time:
12:15:16
